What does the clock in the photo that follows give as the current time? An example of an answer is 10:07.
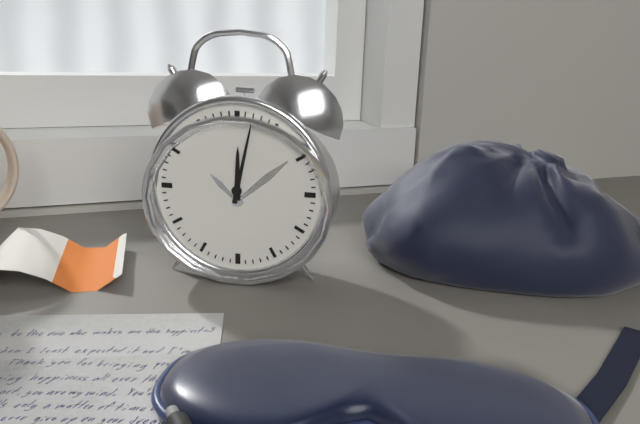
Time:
12:02
